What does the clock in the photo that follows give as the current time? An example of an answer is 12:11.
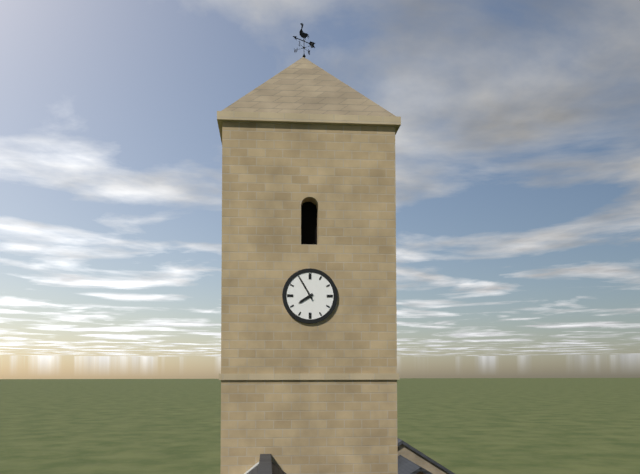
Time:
7:55
